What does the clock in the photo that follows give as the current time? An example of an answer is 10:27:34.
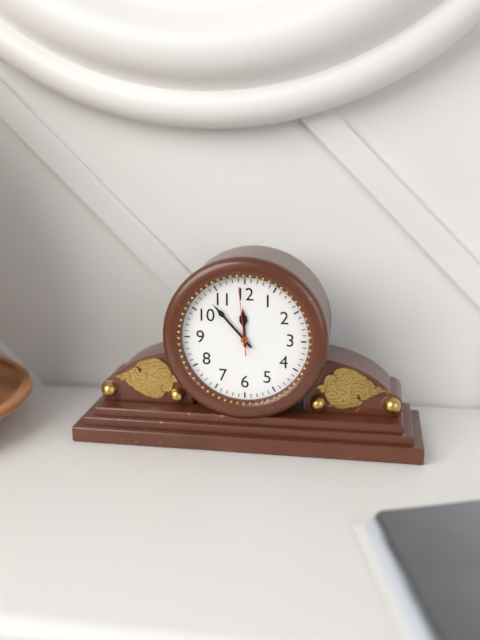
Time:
11:53:59
